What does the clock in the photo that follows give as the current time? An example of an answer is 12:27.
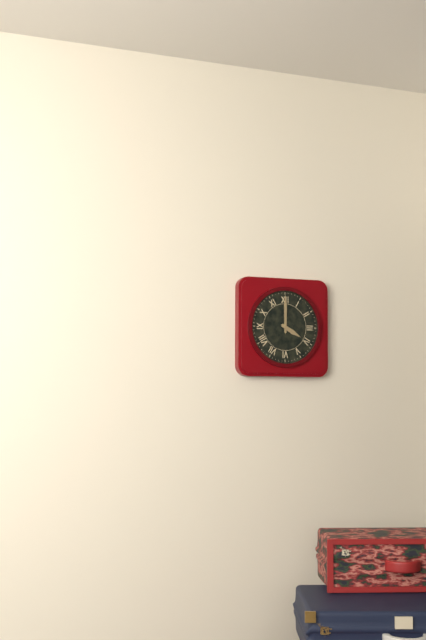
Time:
4:00
